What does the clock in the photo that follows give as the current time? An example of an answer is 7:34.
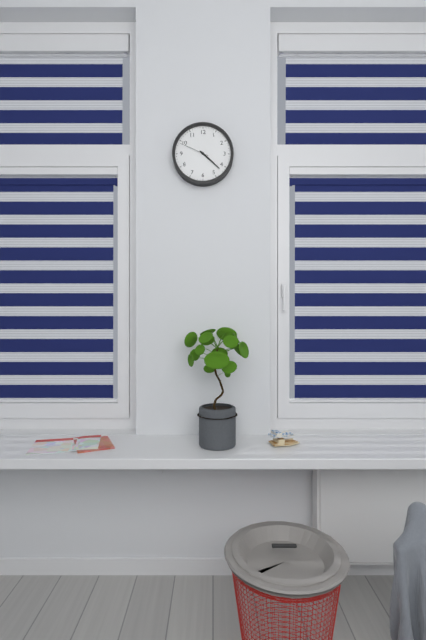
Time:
4:22
